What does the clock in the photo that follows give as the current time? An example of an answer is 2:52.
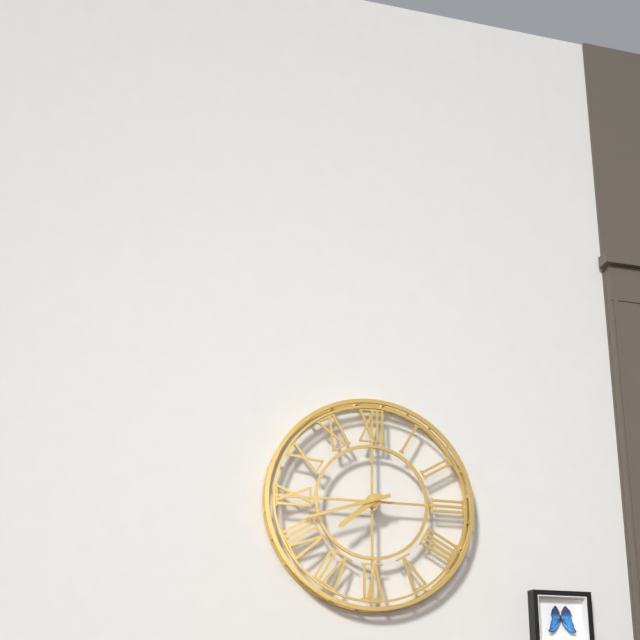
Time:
7:42
